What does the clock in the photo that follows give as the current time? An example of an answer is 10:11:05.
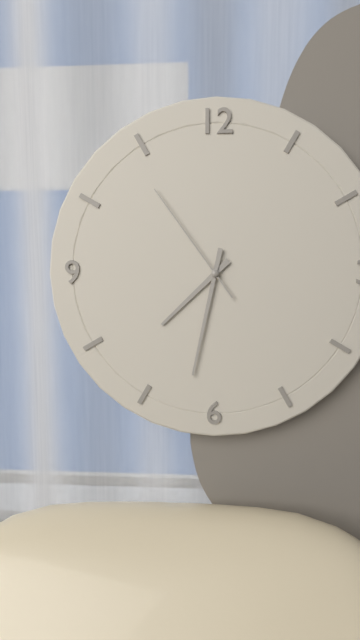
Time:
7:32:54
